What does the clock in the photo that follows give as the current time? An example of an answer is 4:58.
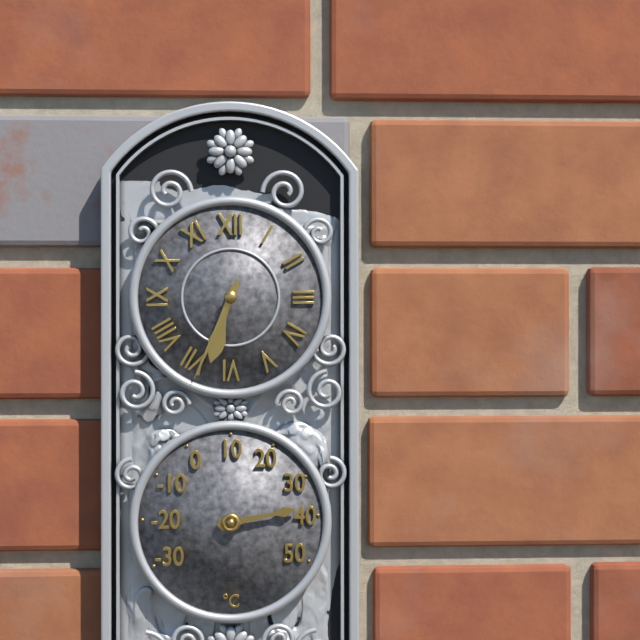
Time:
6:34
